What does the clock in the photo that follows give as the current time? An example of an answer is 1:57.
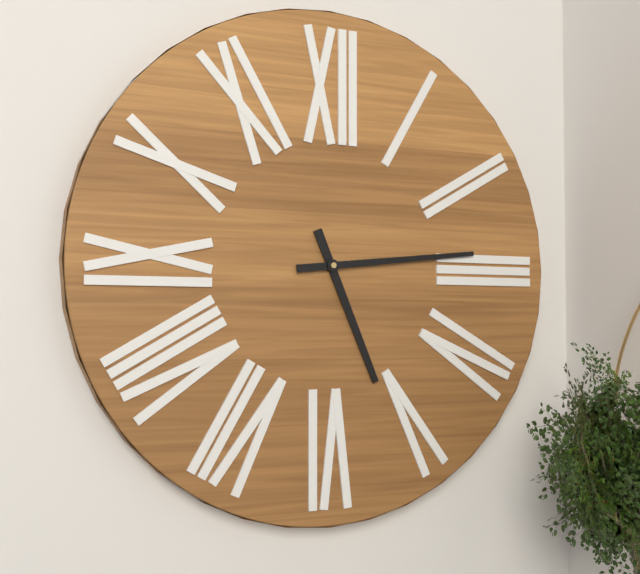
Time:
5:14
